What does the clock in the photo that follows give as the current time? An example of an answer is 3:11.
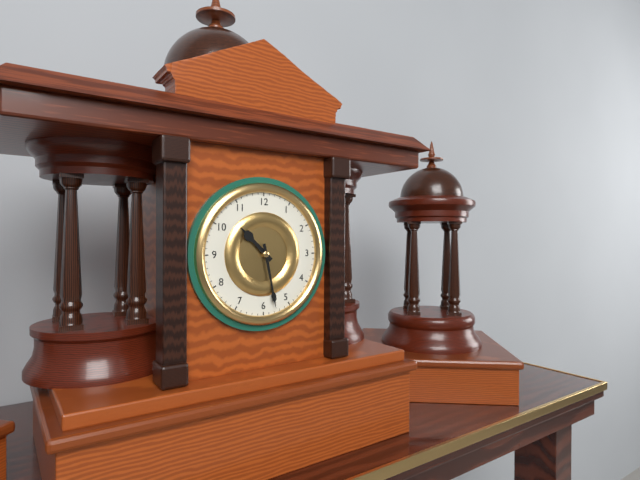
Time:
10:28
